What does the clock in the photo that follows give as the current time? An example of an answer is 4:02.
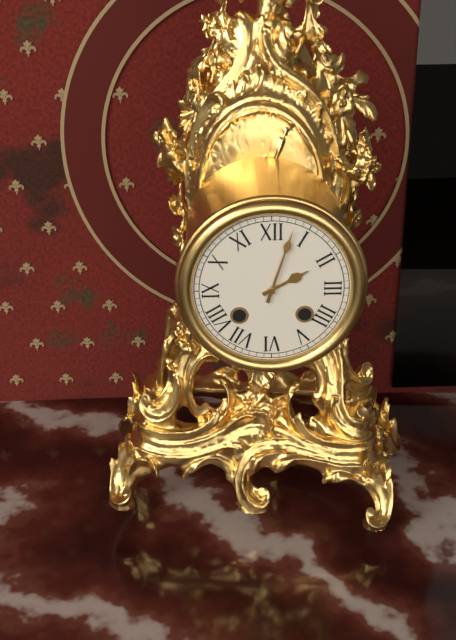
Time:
2:03
